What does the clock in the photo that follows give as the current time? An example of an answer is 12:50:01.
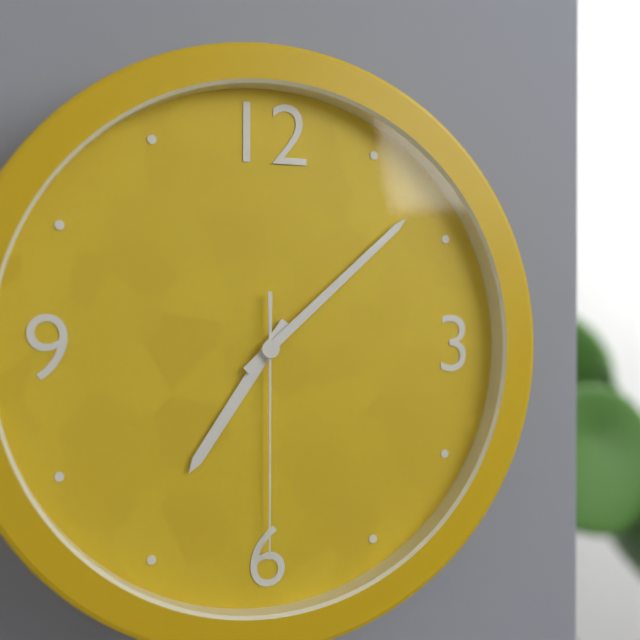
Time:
7:08:30
